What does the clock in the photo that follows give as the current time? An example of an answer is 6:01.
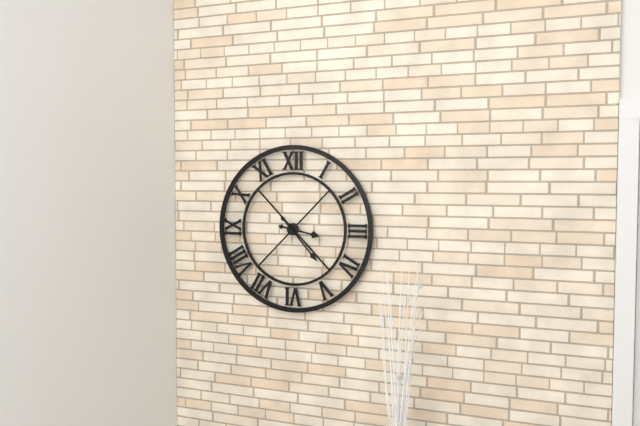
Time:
3:23
